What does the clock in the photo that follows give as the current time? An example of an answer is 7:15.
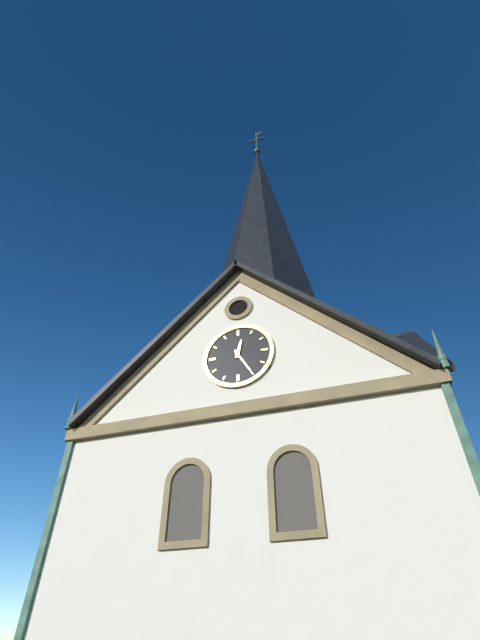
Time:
12:25
